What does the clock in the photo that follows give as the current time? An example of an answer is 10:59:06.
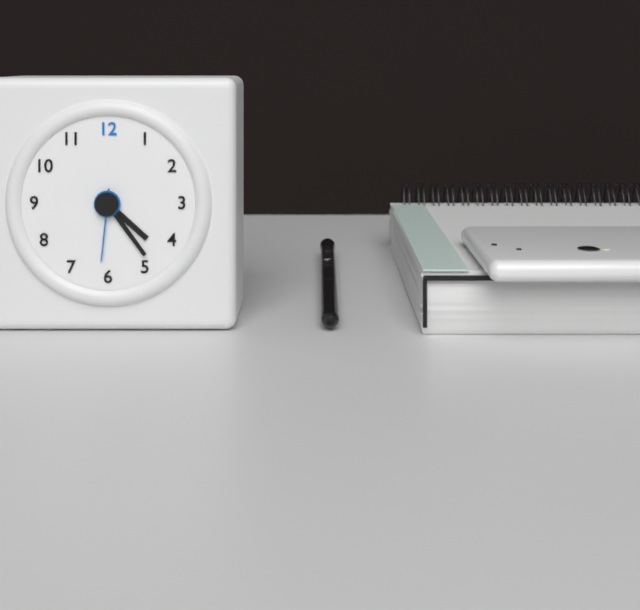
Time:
4:24:31
